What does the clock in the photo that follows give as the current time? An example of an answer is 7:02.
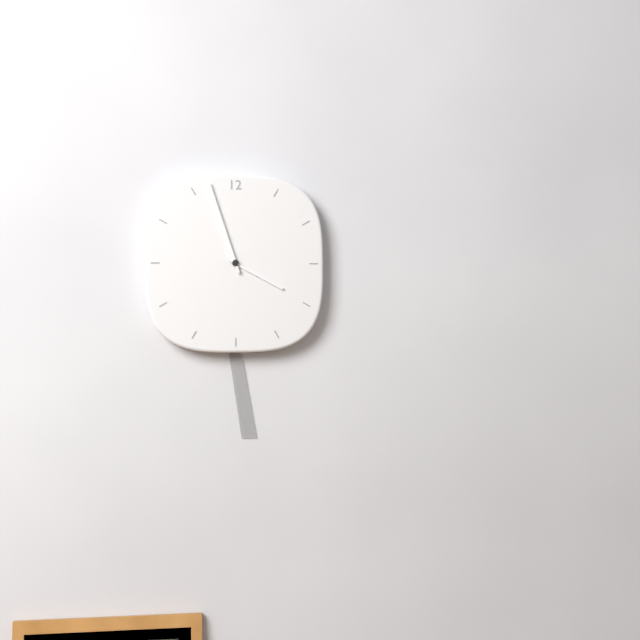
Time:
3:57
